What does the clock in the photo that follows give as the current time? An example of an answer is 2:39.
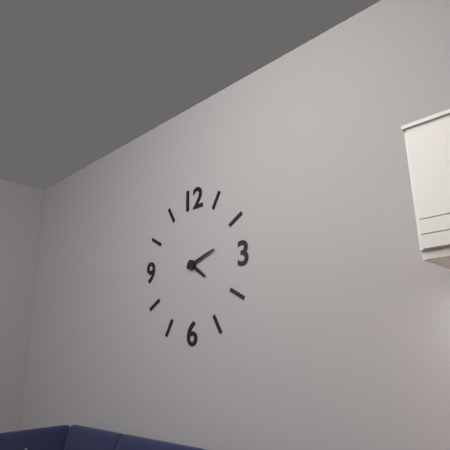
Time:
4:12
